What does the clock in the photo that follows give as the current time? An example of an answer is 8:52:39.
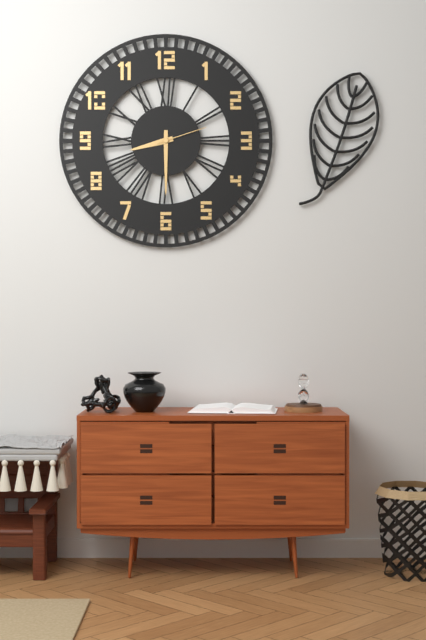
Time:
8:30:12
